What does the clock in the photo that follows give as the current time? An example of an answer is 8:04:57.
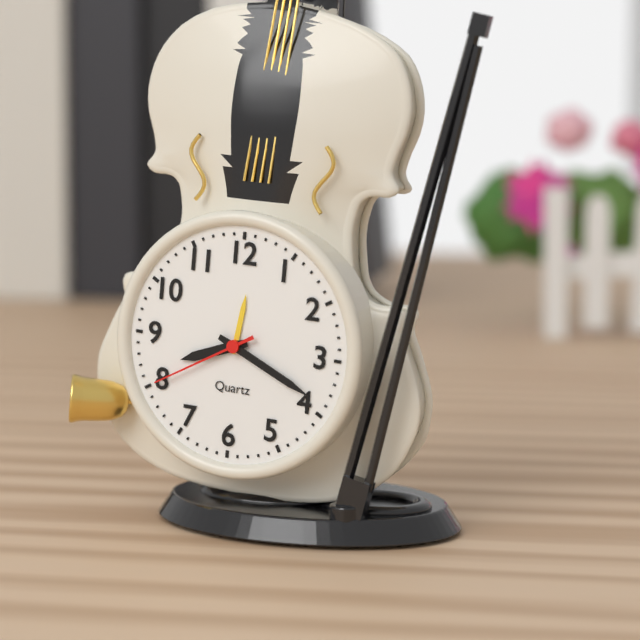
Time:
8:19:40
